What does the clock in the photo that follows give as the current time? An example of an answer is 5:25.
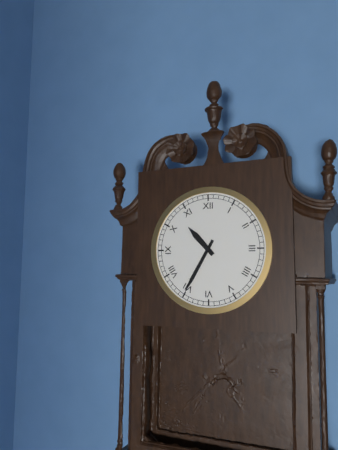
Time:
10:35
